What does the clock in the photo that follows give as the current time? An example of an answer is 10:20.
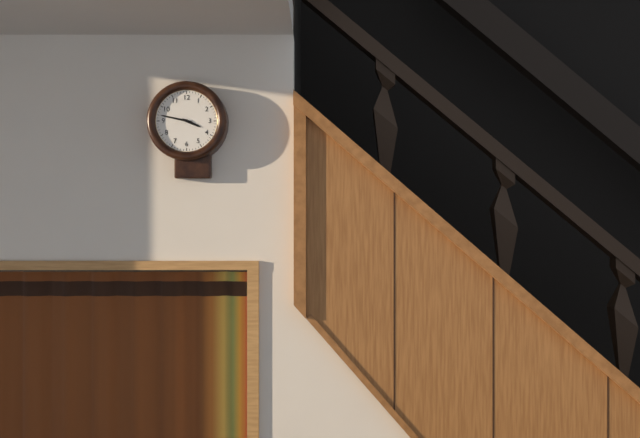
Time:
3:47
